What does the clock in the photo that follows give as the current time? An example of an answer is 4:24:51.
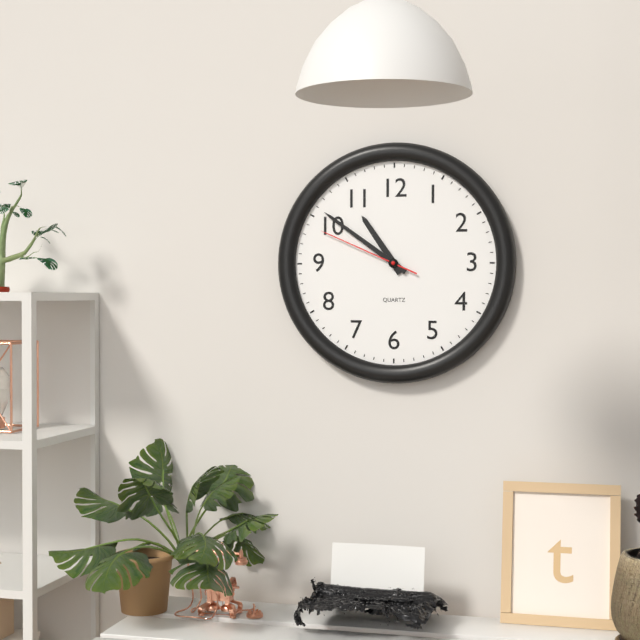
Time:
10:51:49
